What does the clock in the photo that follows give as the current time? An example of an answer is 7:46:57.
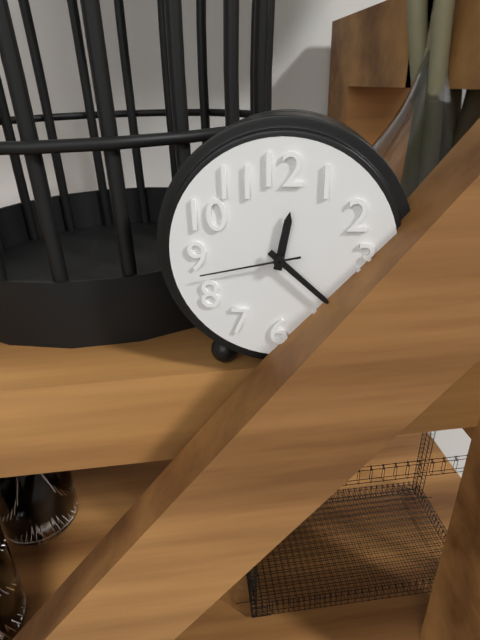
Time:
12:22:43
